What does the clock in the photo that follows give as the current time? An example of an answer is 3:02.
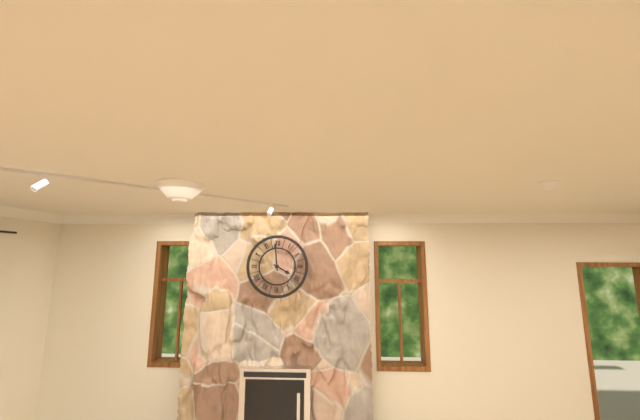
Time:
3:59
